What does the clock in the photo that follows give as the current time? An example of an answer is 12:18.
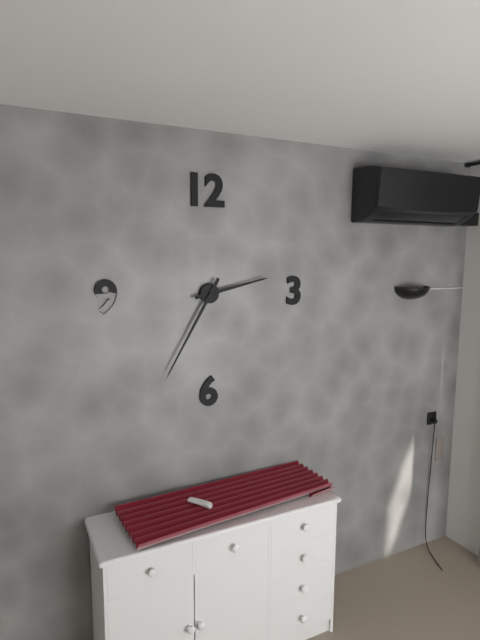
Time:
2:35
